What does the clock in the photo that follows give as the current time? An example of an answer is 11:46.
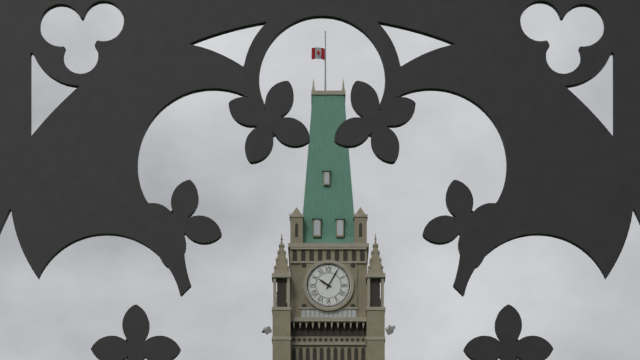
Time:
10:05
